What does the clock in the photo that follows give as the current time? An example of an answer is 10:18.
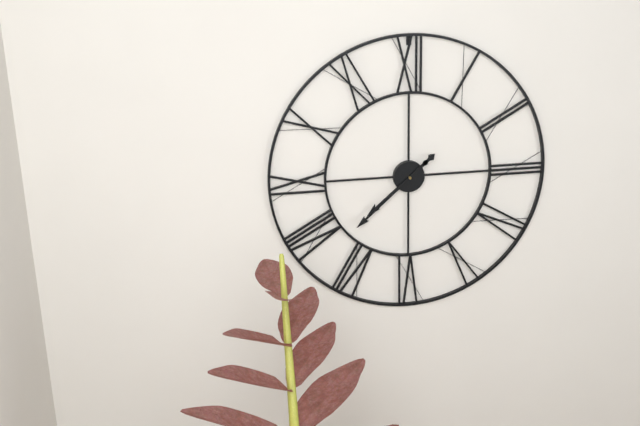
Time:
7:38
